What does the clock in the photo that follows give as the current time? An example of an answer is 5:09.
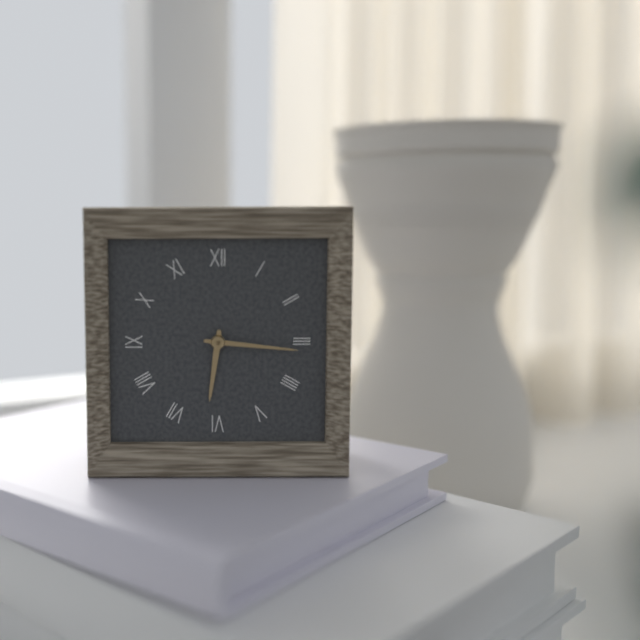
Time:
6:16
